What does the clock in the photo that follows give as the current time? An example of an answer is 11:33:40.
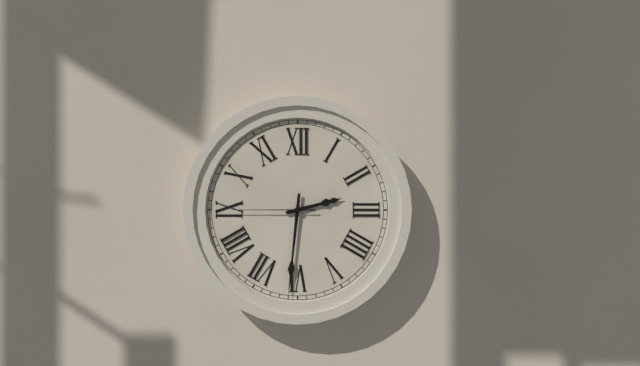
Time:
2:31:45
